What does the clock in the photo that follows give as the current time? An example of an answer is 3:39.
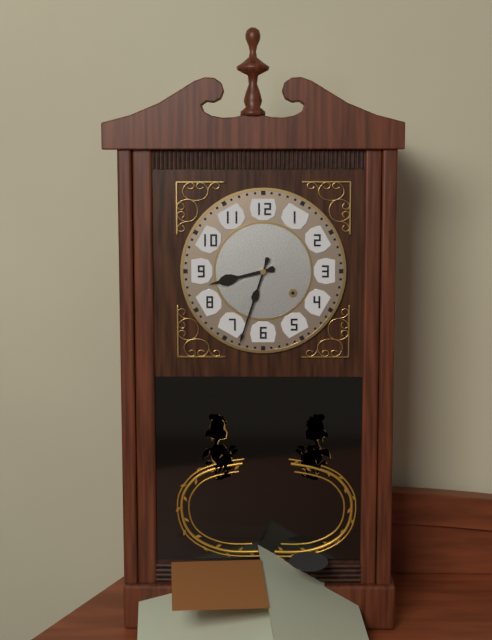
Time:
8:33
